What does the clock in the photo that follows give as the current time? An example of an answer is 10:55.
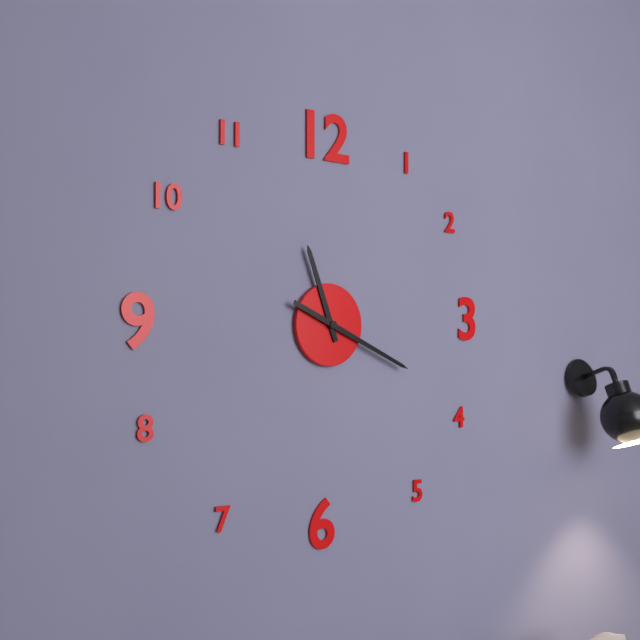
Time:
11:19
